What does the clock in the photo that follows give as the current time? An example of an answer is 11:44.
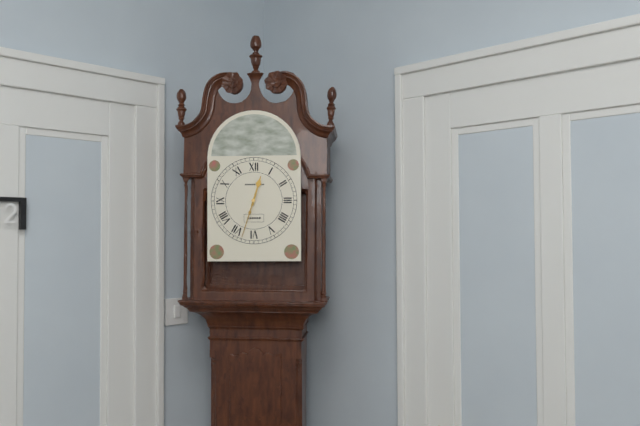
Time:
12:33
